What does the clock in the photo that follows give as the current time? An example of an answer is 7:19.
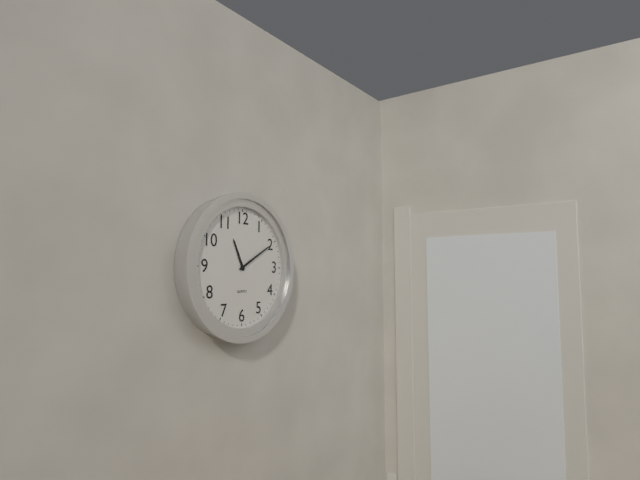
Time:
11:10
